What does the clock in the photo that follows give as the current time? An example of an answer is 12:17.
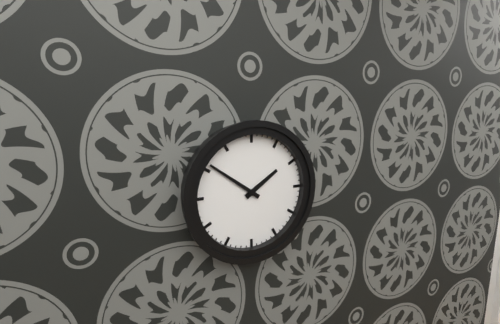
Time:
1:51
